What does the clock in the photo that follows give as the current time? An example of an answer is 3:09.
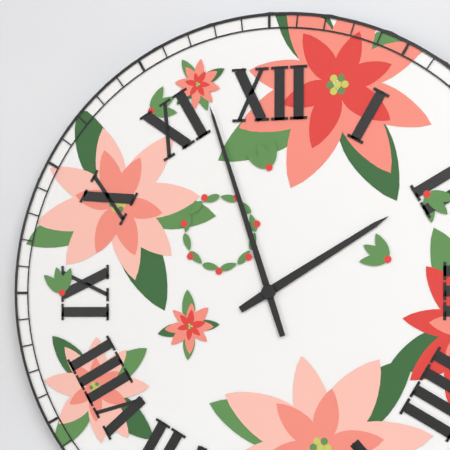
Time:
1:57
